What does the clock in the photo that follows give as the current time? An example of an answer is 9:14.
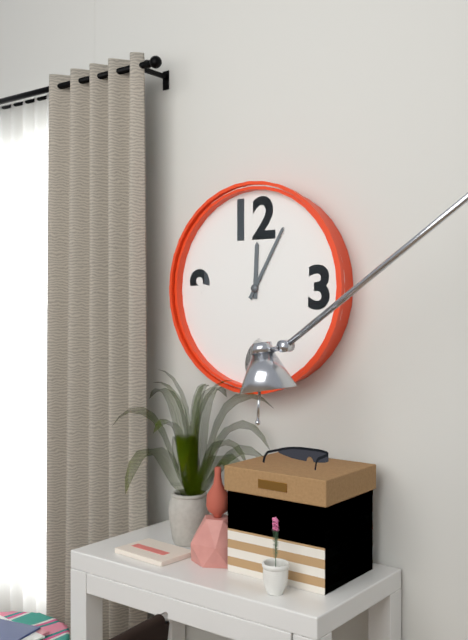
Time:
12:05
